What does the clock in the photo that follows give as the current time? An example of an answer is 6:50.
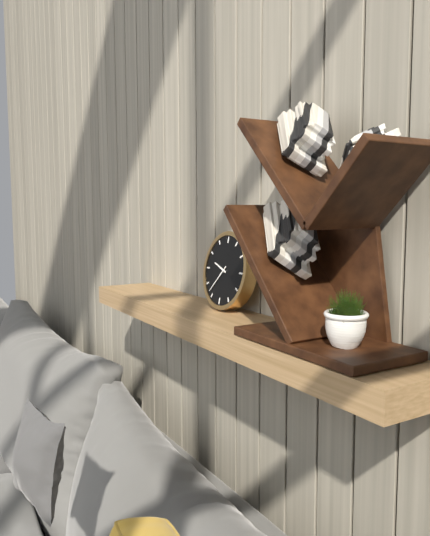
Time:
9:37
